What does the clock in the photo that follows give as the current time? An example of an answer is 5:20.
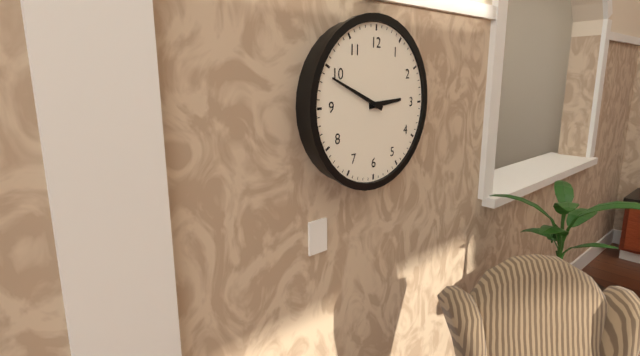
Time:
2:49
